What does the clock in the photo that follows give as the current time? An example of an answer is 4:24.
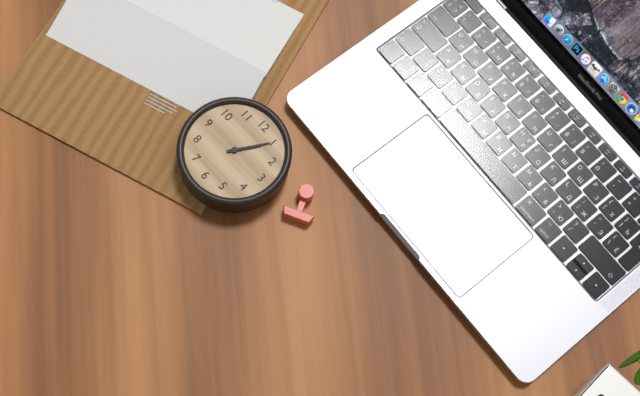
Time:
1:05
